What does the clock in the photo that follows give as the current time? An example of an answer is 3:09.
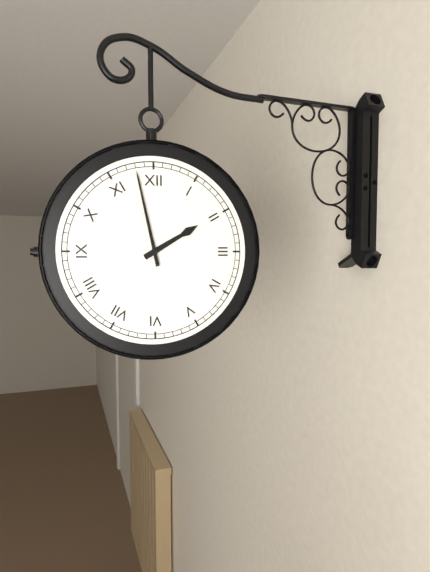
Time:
1:58
